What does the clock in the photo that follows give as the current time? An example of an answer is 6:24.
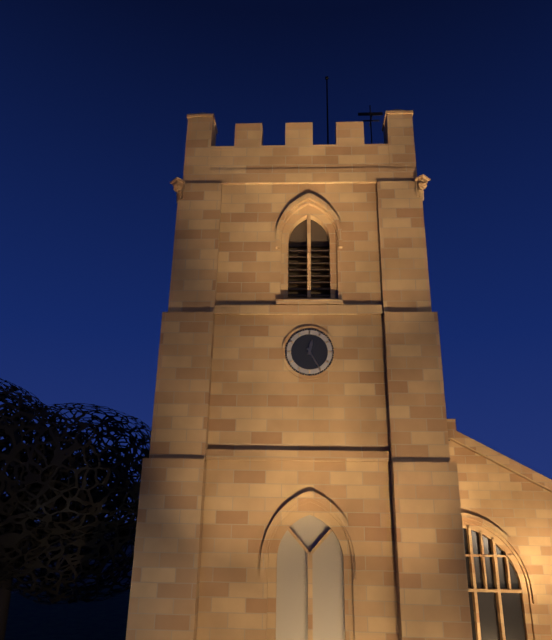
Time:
12:25
